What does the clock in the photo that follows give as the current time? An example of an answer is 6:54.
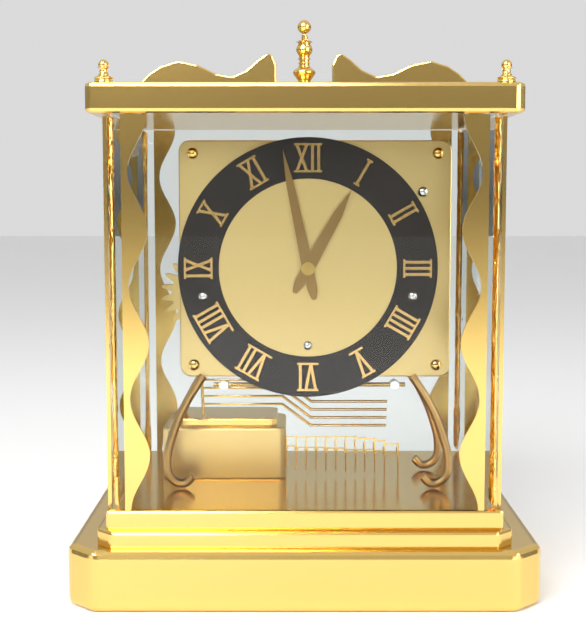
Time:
12:58
